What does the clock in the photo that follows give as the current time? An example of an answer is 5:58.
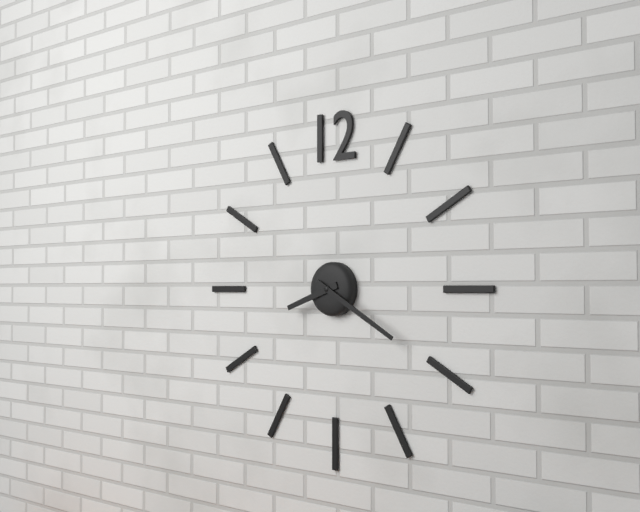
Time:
8:20
